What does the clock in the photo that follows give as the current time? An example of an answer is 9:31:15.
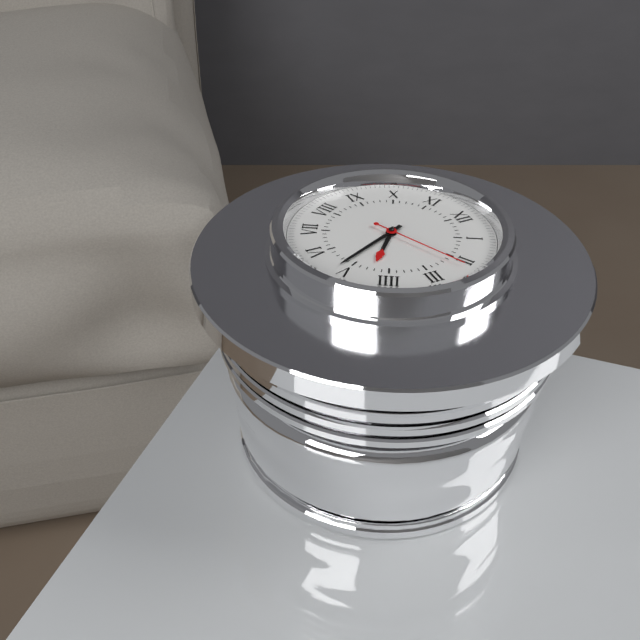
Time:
4:26:11
